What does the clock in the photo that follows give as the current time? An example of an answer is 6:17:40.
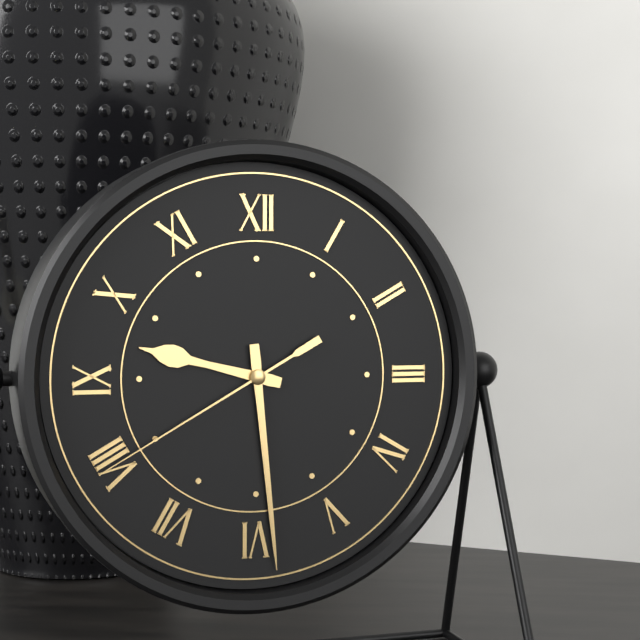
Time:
9:29:40
